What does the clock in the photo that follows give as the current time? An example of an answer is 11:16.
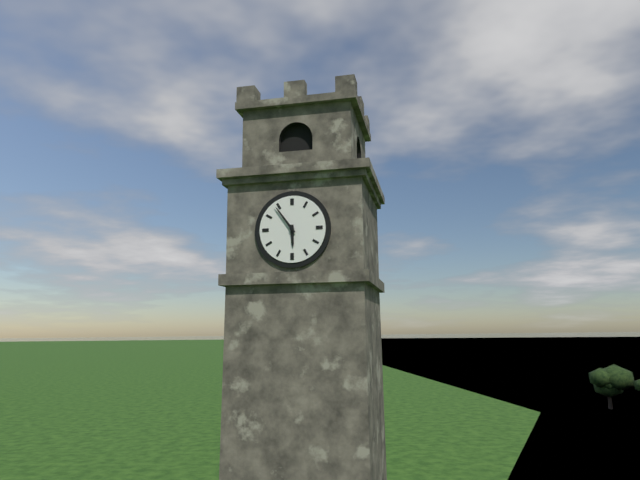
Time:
5:54
